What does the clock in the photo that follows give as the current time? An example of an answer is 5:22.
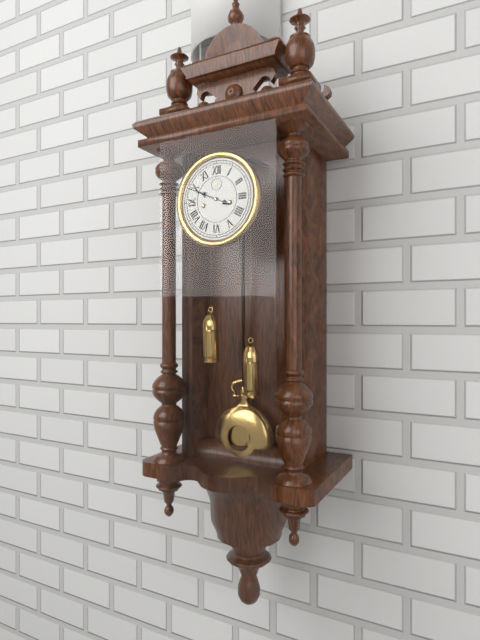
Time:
9:49
